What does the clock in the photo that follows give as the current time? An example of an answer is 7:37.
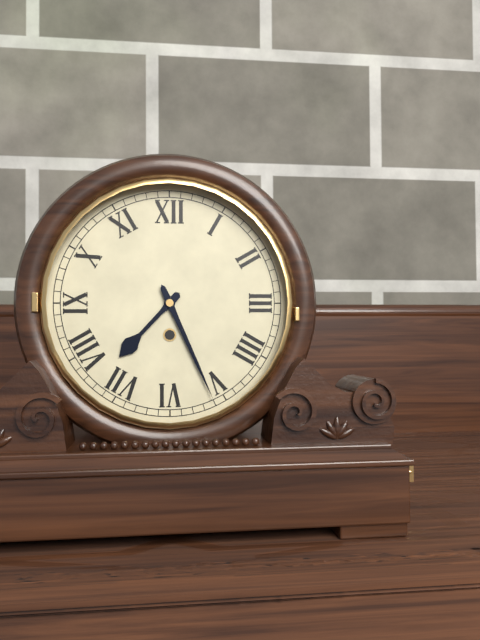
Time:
7:26
